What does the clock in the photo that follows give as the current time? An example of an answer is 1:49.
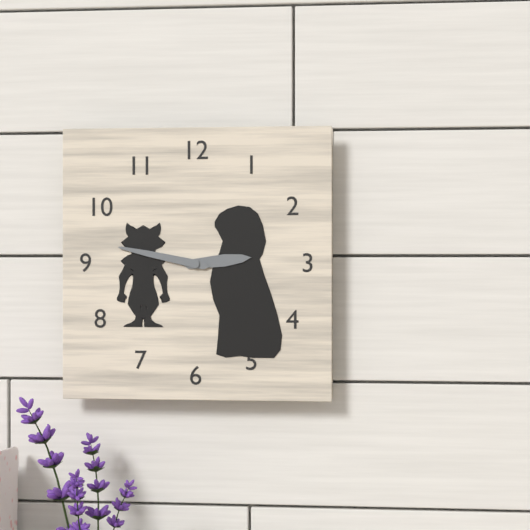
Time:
2:47
